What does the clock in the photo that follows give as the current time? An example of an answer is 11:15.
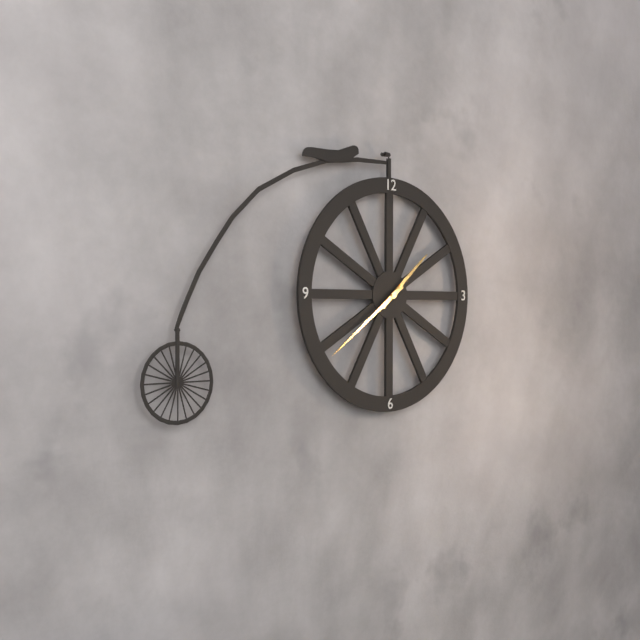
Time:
1:39
